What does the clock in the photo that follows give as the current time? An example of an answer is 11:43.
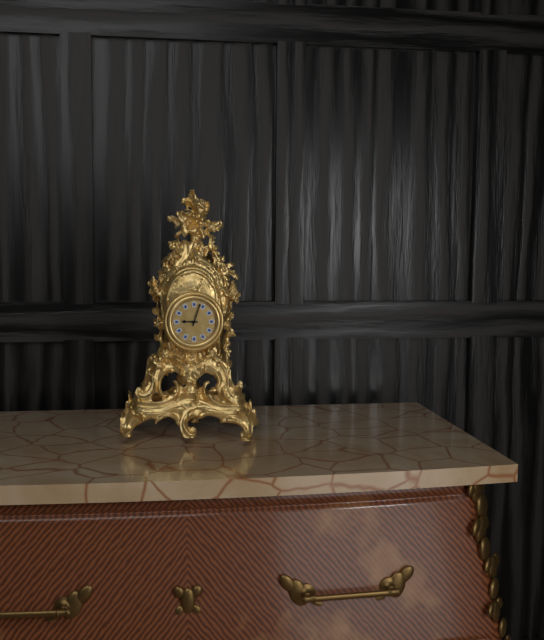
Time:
9:03
